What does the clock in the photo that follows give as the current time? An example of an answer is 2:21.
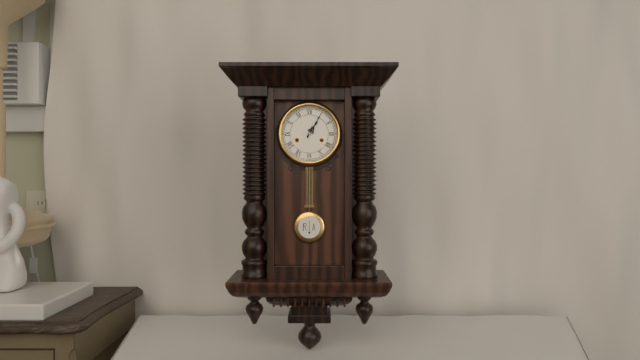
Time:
1:05
